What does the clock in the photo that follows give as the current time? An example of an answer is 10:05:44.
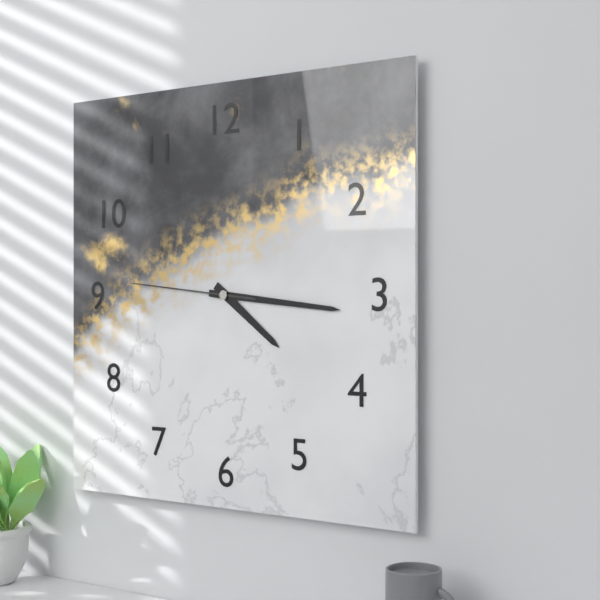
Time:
4:16:46
